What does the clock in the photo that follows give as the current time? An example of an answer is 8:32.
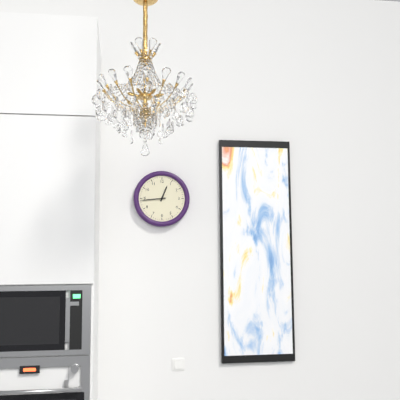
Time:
12:44
